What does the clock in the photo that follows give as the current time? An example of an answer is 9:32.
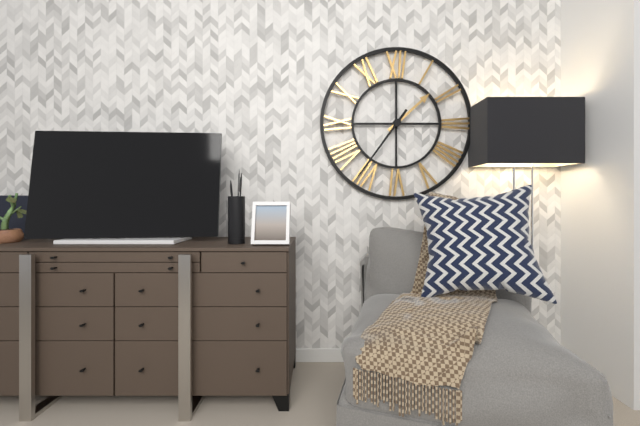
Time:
1:36
